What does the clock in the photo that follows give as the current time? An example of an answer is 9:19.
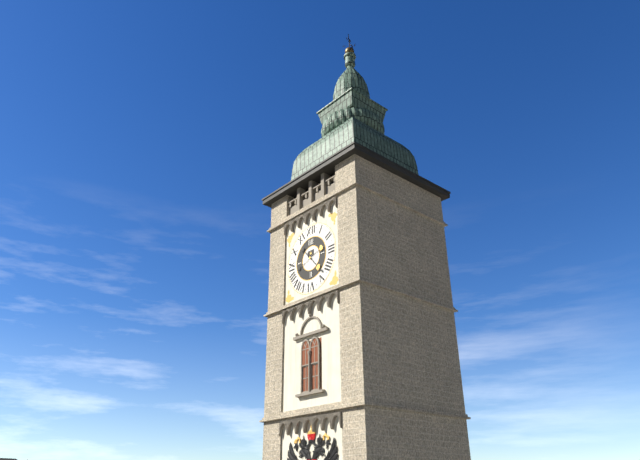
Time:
2:23
